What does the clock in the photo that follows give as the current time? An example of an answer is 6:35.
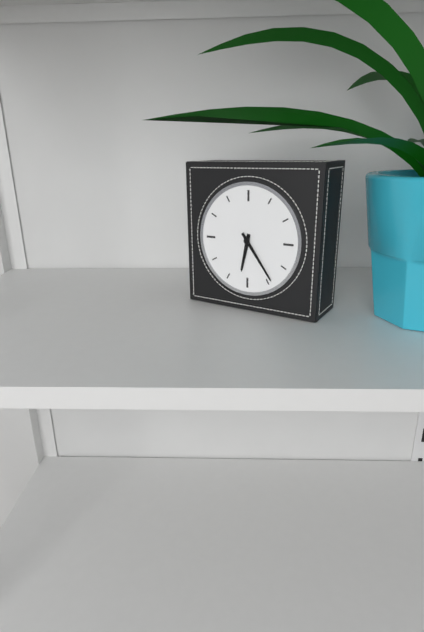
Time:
6:24
